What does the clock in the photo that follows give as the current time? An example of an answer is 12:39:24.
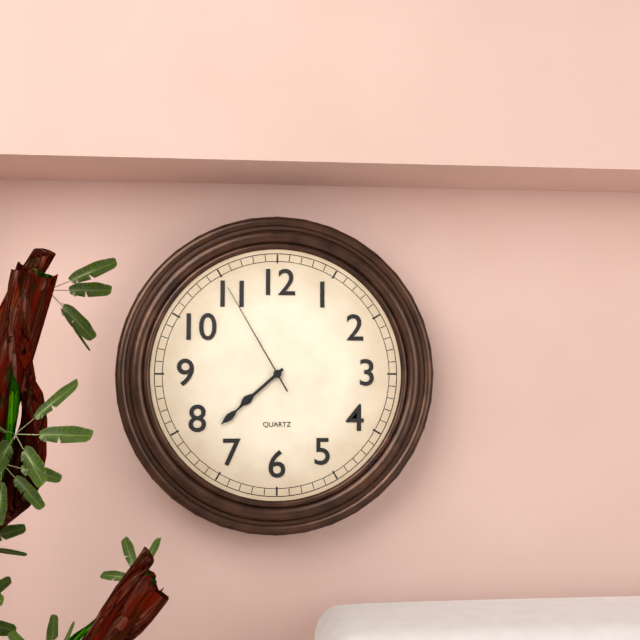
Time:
7:38:55
